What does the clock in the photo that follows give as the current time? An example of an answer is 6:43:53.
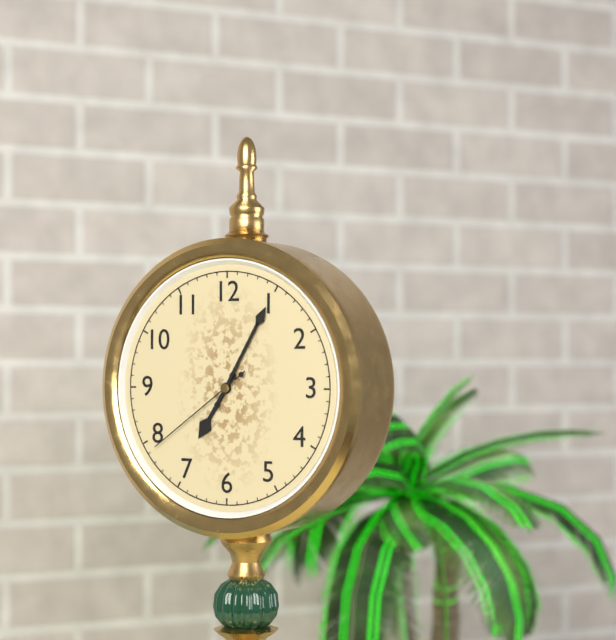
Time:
7:05:39
